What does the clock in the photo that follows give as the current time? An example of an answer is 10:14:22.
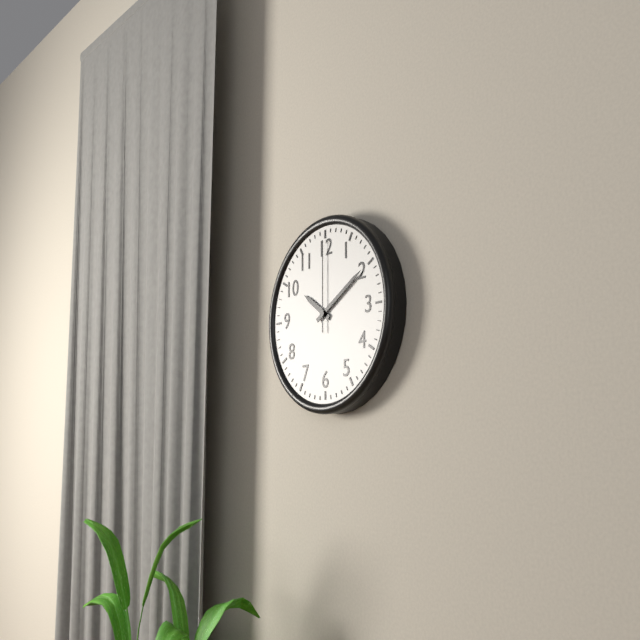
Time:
10:10:00
